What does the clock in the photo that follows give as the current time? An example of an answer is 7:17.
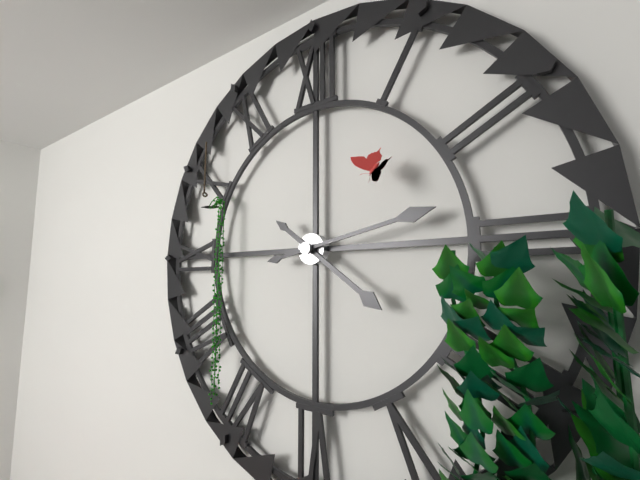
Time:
4:13
